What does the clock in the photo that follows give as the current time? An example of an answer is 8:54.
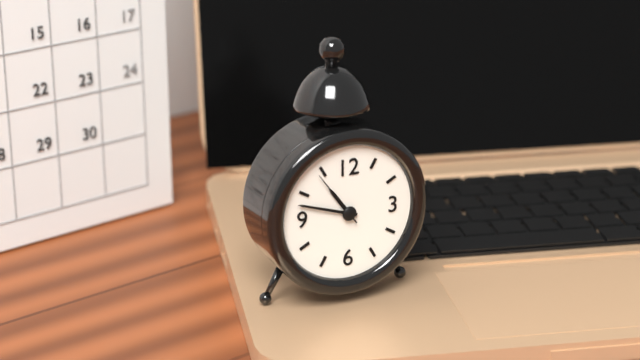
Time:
10:48
